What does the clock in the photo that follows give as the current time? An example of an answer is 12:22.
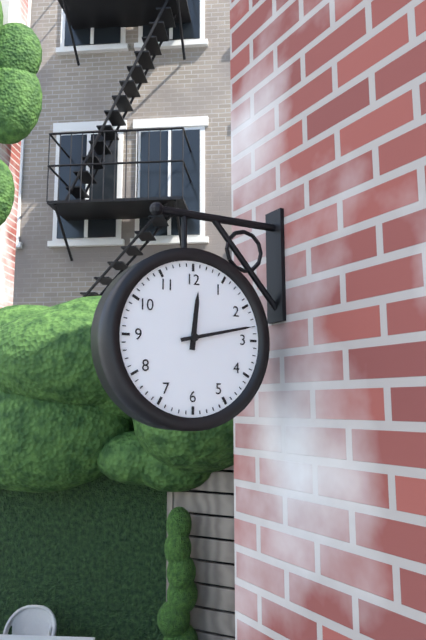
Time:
12:13
